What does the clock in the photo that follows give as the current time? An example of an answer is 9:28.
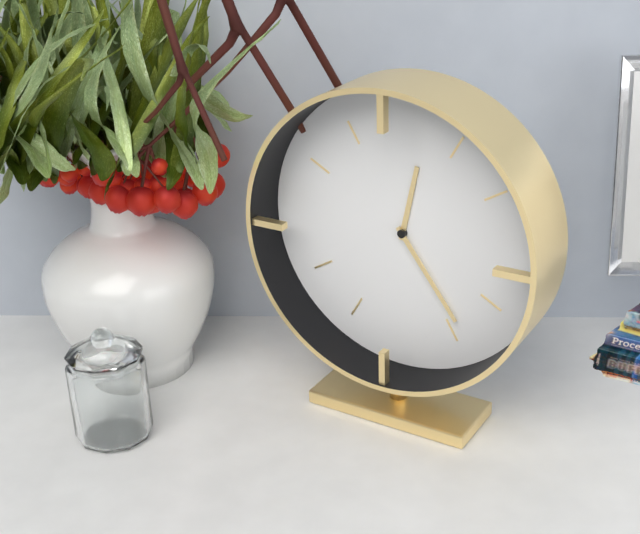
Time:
12:24
